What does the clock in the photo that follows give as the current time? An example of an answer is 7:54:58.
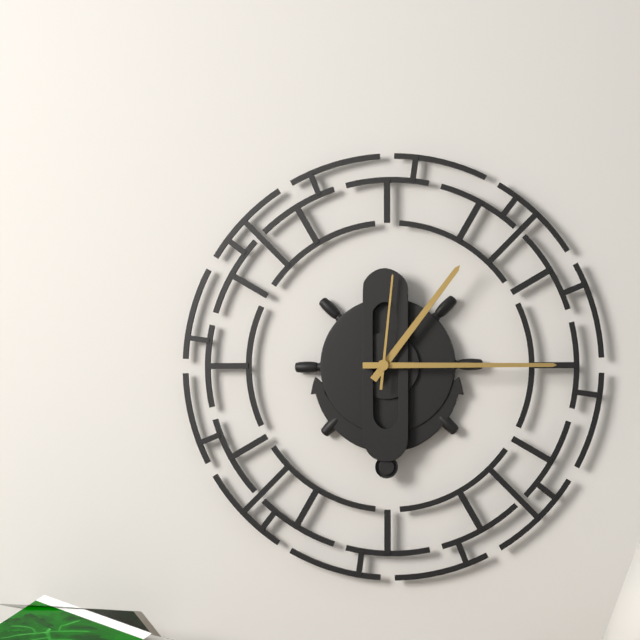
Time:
1:15:01
